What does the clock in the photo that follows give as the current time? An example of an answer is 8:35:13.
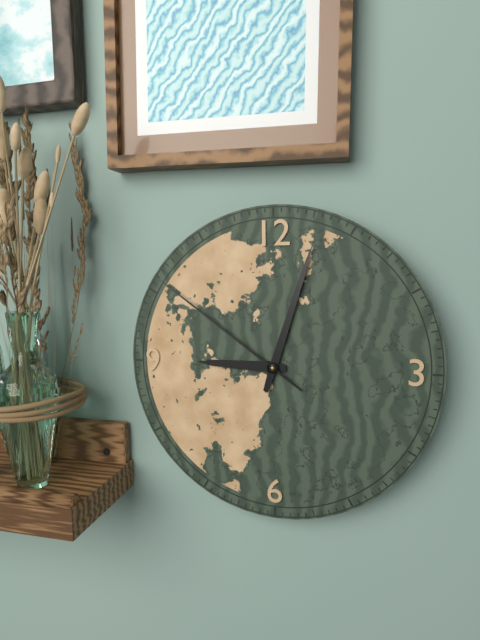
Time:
9:03:51
